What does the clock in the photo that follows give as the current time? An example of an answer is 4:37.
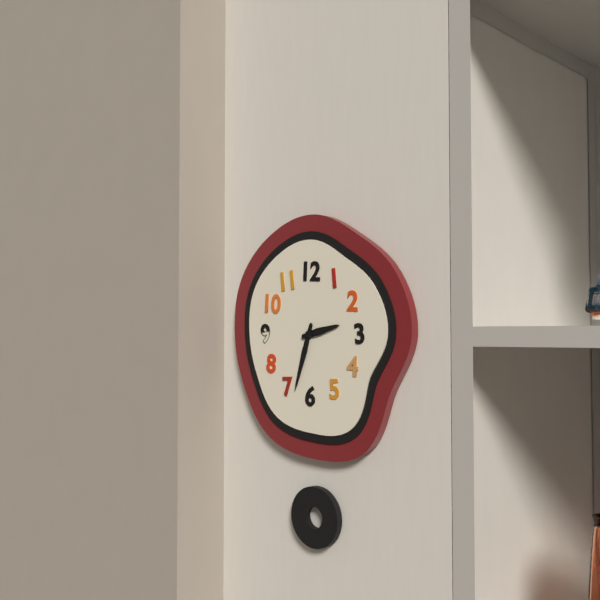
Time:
2:33
